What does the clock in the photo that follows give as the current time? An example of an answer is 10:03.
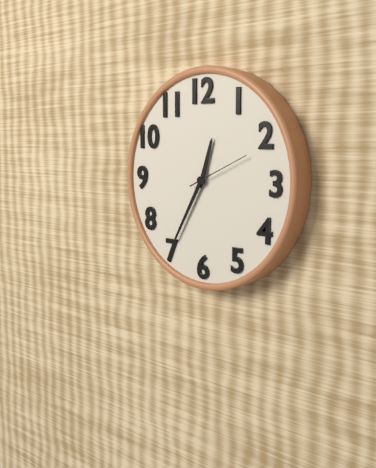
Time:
12:35
